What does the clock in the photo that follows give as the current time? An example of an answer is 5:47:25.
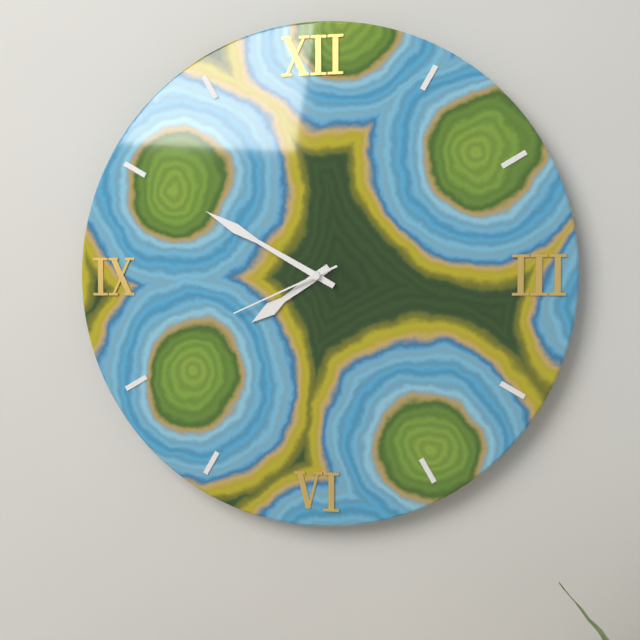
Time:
7:50:41
